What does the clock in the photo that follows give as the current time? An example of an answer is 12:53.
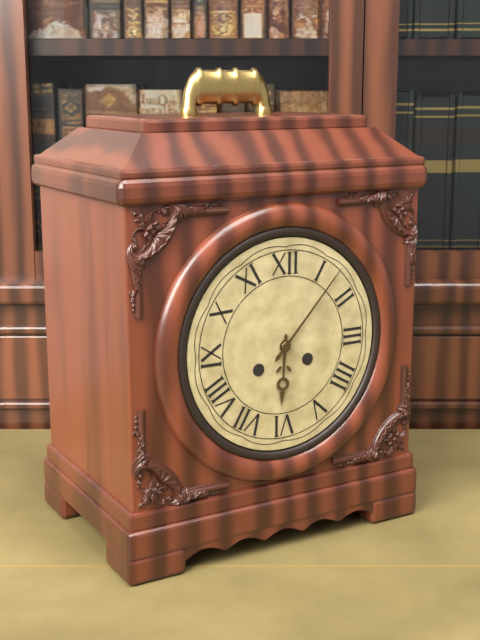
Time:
6:07
